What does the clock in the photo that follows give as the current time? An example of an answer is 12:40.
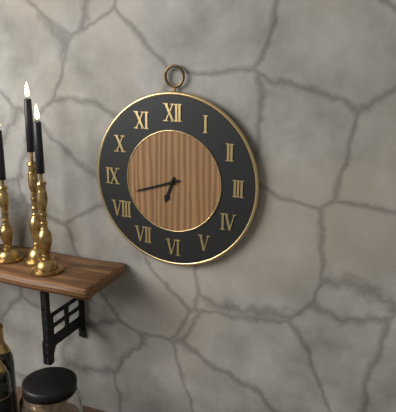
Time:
6:42
